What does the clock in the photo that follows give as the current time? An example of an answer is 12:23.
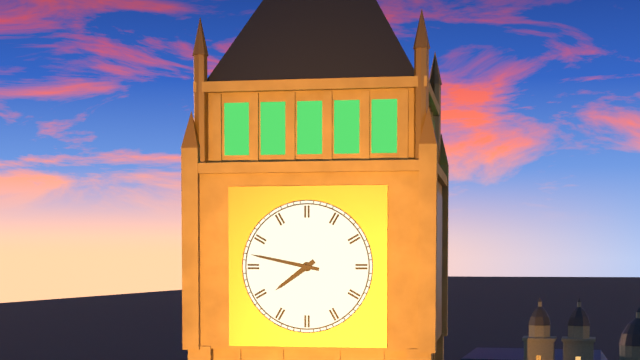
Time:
7:47
